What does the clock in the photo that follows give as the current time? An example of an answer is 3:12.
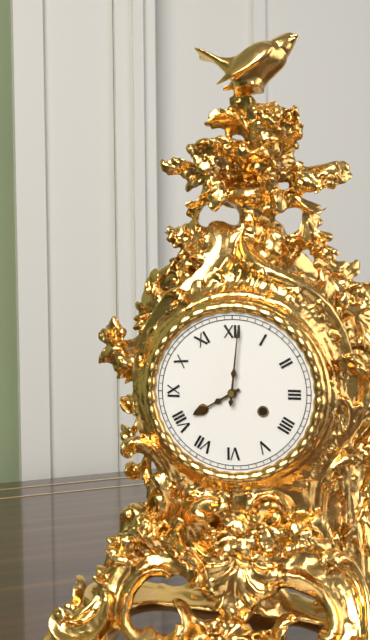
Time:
8:01
